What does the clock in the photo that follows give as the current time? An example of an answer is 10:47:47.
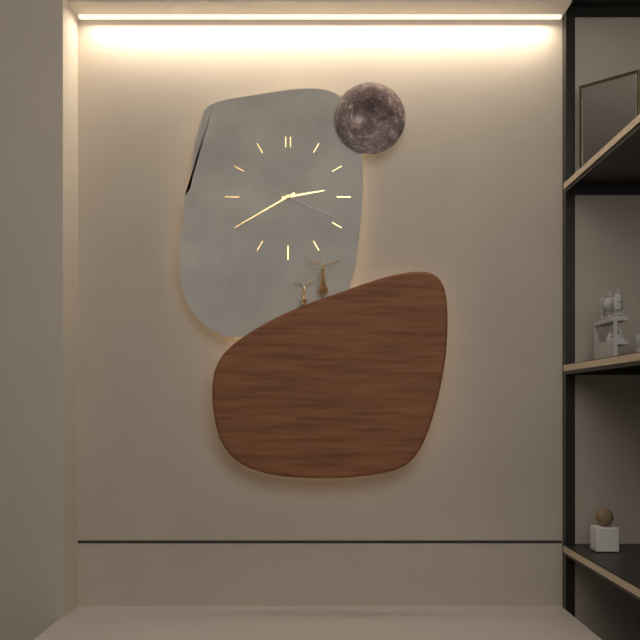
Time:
2:40:19
